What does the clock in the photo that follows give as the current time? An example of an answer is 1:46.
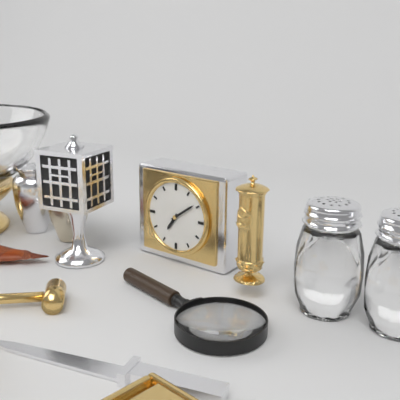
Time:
7:09
